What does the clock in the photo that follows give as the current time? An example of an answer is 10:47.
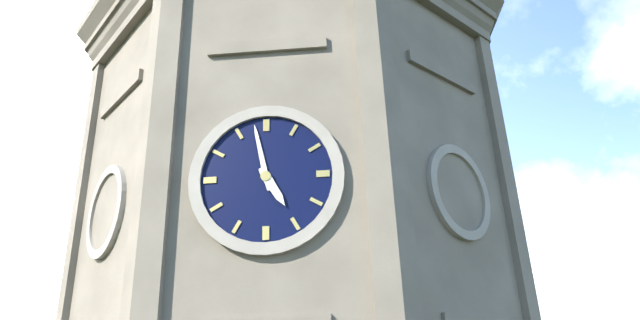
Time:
4:58
